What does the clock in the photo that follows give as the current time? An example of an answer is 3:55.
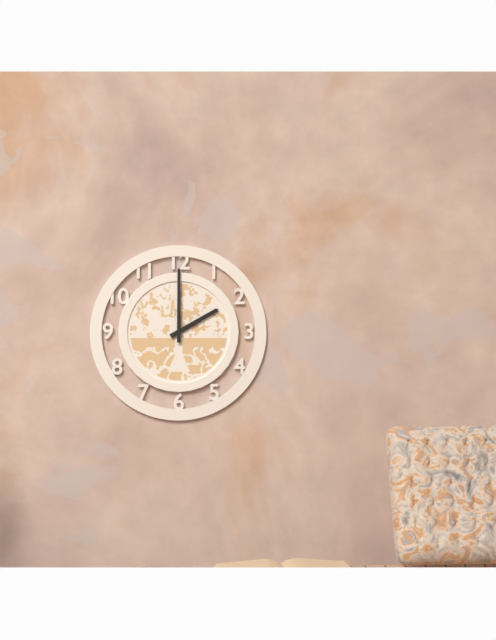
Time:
2:00
